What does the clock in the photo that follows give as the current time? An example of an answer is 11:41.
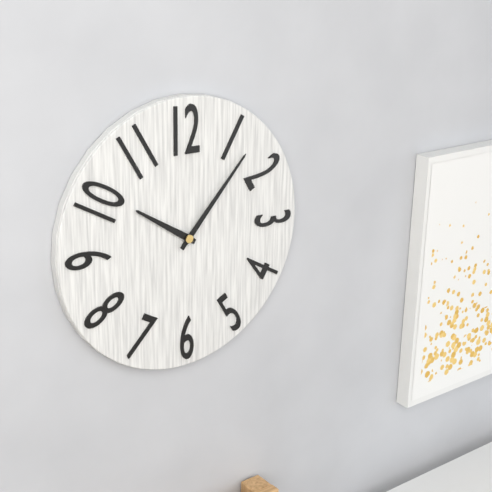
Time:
10:07
